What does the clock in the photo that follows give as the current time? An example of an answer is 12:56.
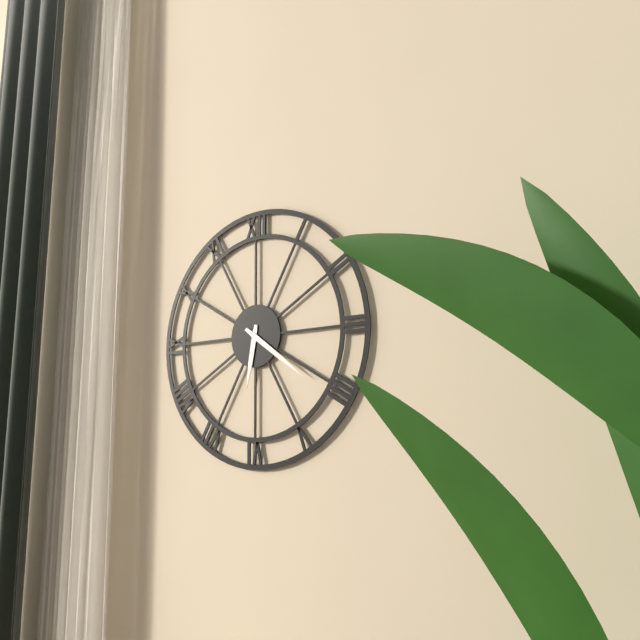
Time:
6:21
